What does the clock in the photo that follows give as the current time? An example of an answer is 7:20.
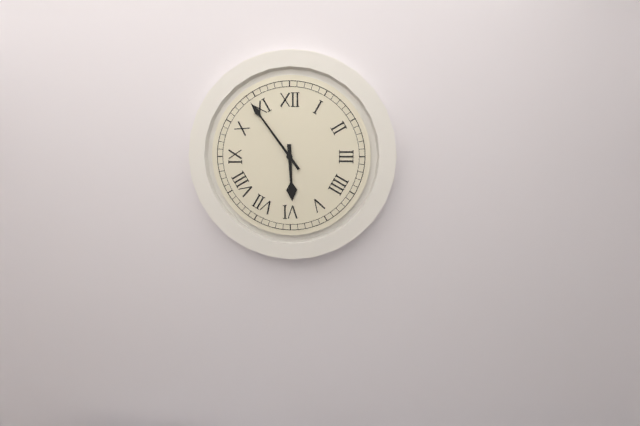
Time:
5:54
